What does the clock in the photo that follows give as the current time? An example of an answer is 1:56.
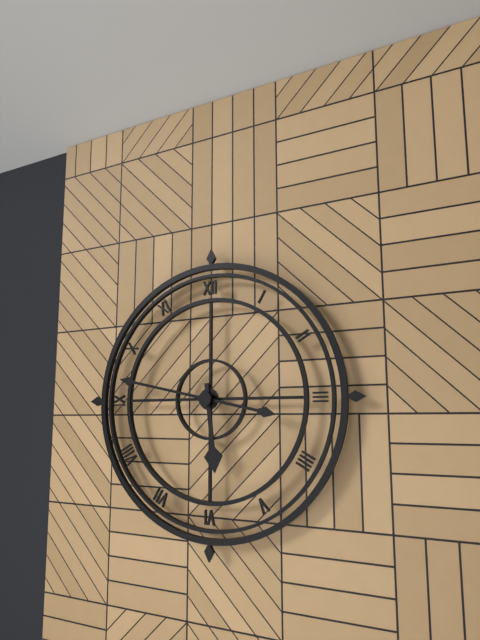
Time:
5:47
